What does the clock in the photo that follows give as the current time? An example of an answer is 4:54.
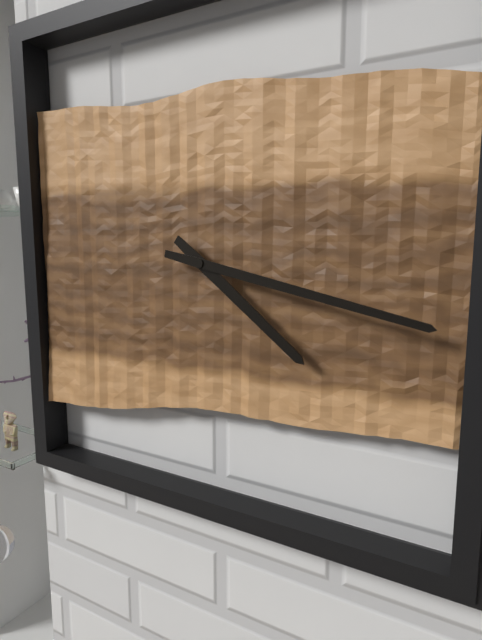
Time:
4:17
